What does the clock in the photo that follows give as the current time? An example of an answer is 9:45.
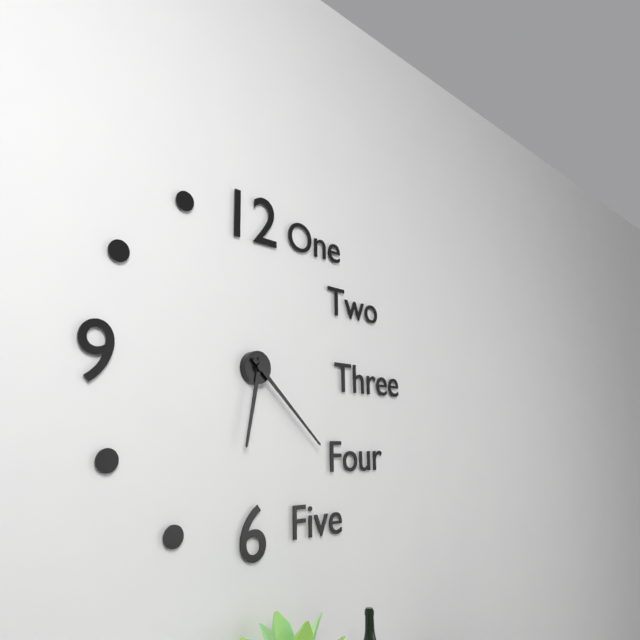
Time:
6:22
